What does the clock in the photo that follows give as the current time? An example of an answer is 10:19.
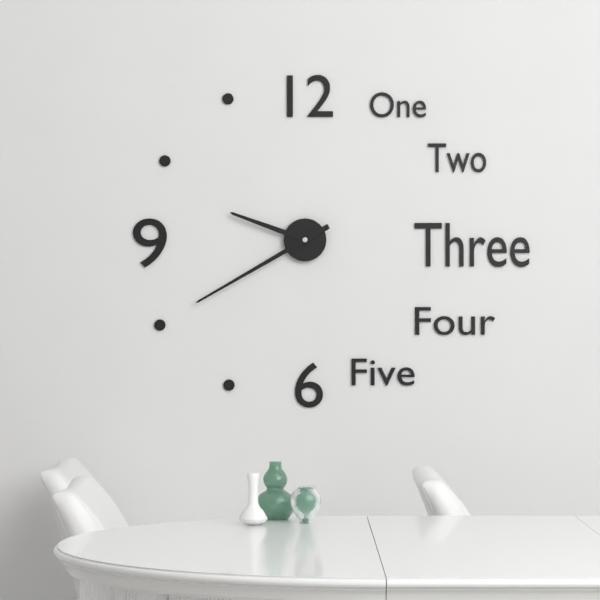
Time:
9:40
